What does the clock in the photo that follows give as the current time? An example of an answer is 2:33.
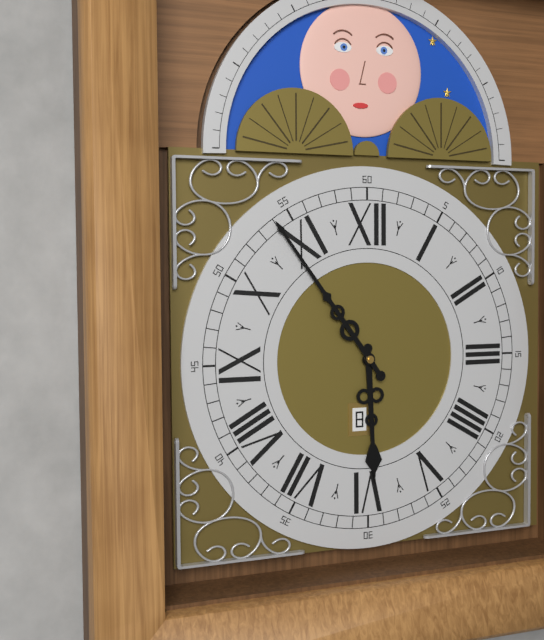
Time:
5:54
